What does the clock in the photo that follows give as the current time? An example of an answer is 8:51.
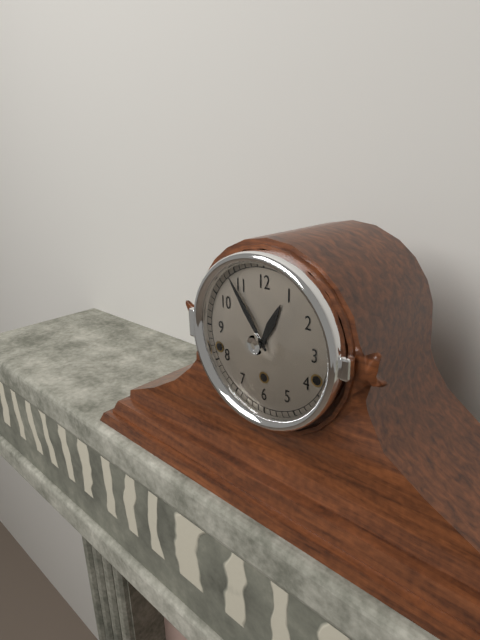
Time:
12:54
